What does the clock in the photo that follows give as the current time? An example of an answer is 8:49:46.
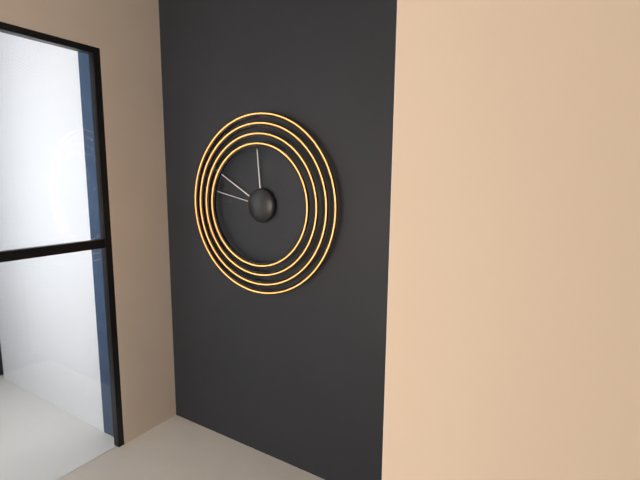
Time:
11:50:47
